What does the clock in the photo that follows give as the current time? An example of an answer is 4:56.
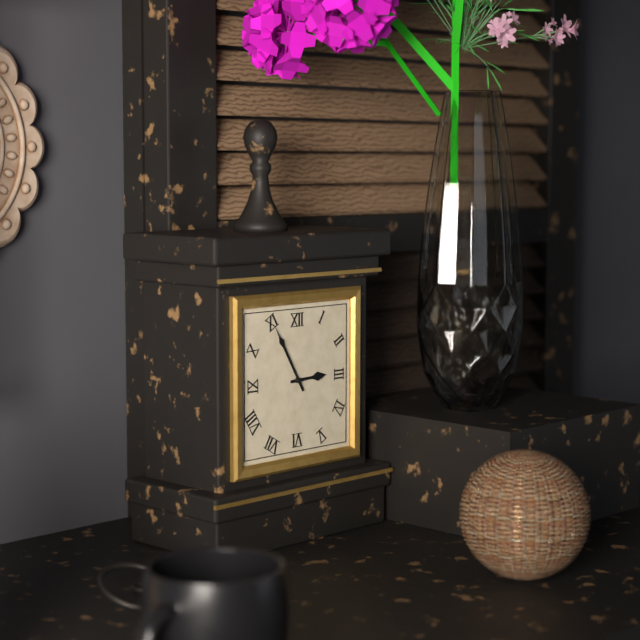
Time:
2:55
